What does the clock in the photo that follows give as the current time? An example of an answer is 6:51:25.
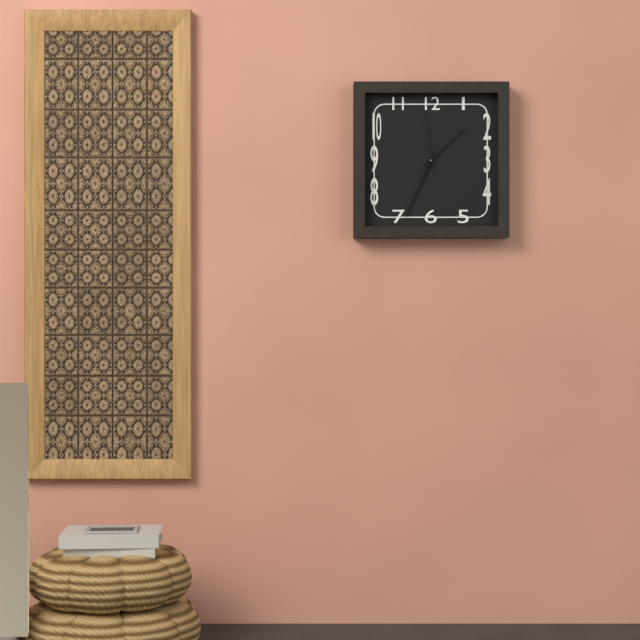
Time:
1:34:59
